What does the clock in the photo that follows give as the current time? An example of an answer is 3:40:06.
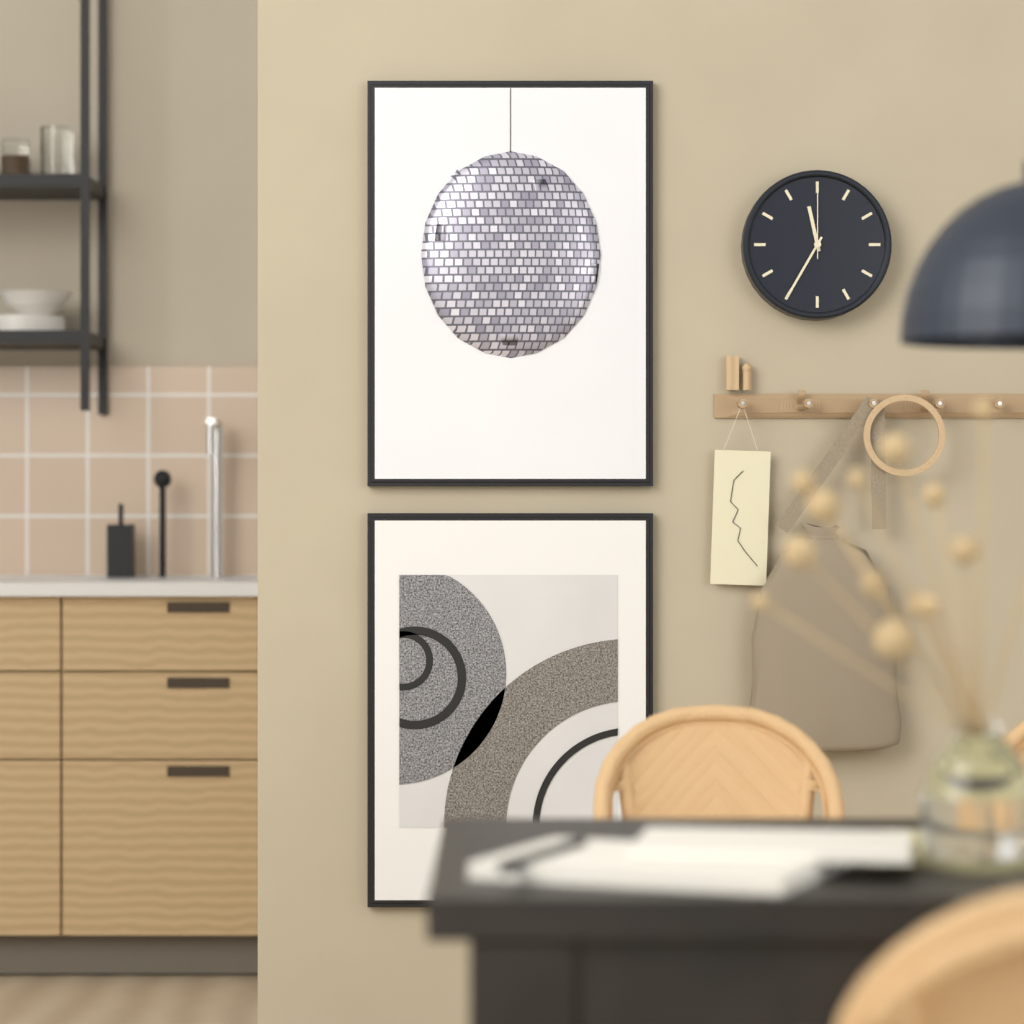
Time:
11:35:00
